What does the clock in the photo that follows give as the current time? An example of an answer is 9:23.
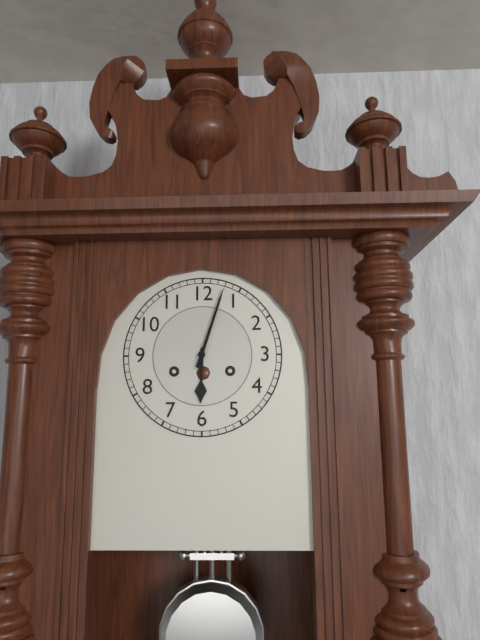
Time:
6:03
